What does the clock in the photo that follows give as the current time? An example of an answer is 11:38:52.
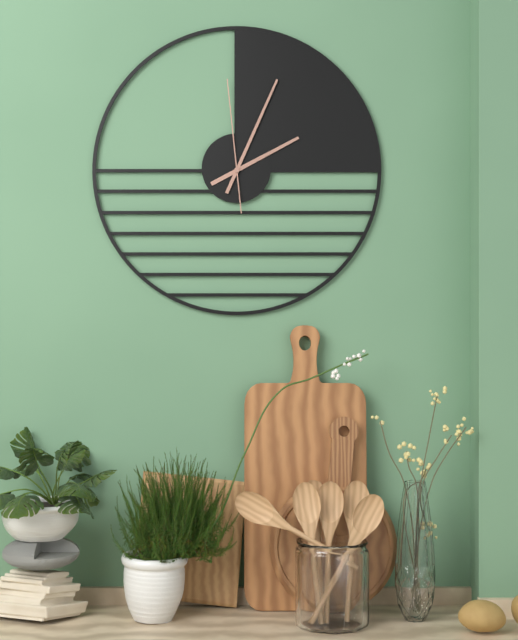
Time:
2:04:59
